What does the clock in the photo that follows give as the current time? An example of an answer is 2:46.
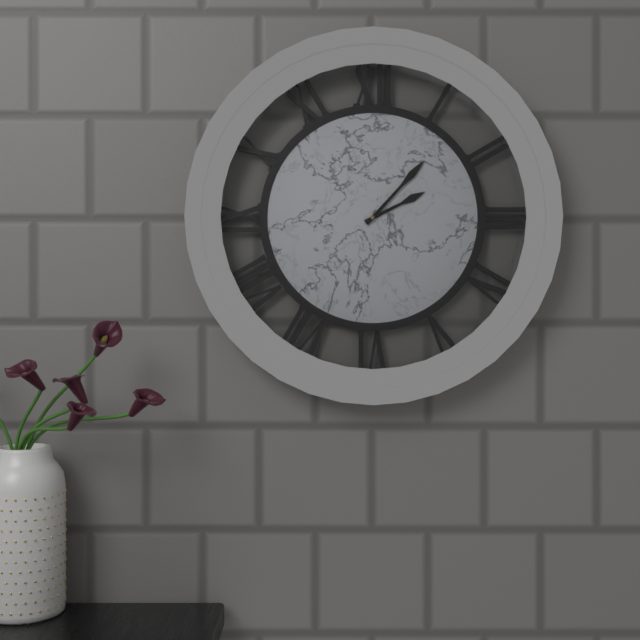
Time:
2:07
